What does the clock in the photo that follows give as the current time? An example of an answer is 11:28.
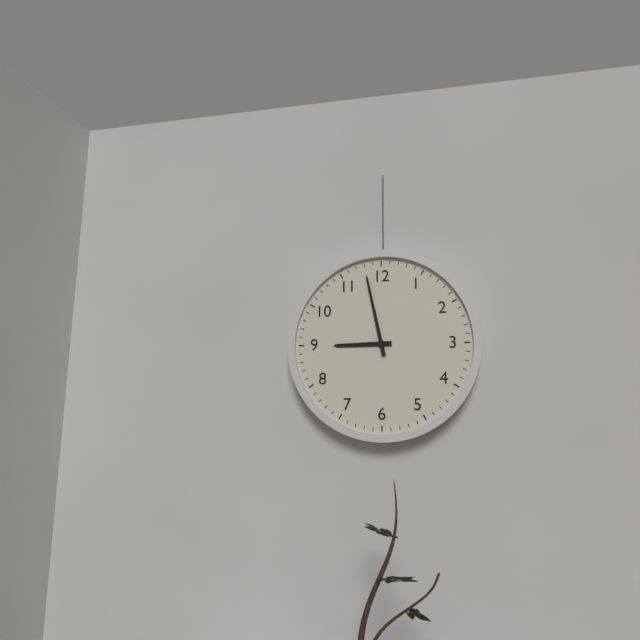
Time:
8:58
